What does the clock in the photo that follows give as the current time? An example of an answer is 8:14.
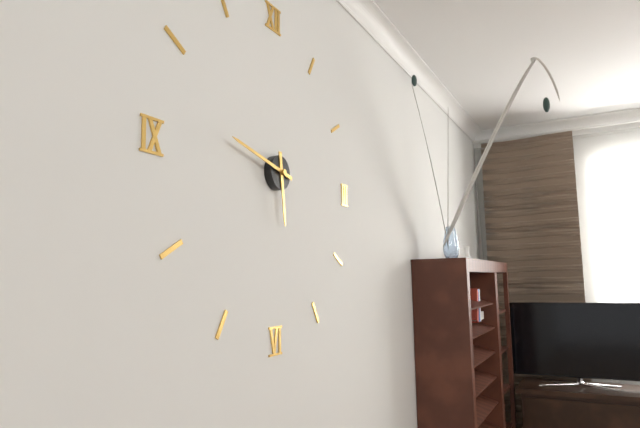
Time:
5:47
